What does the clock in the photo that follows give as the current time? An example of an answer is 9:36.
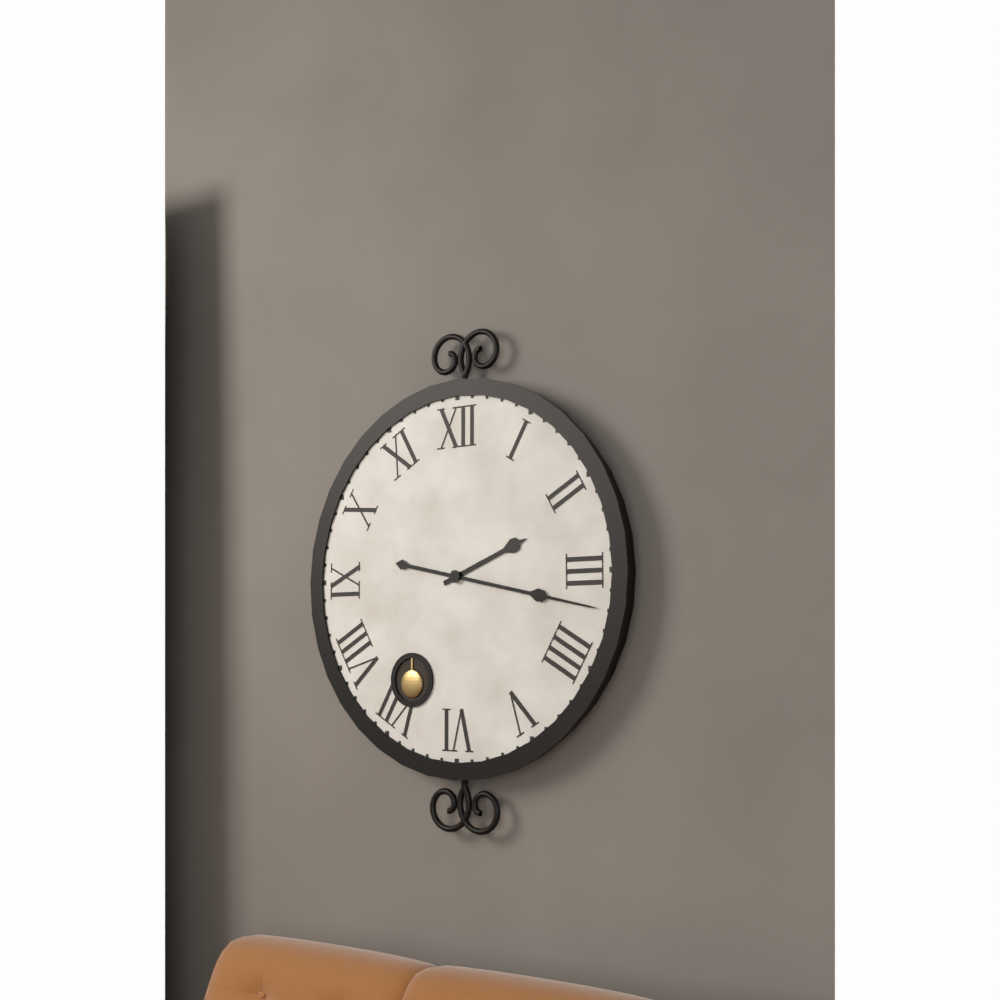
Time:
2:17
